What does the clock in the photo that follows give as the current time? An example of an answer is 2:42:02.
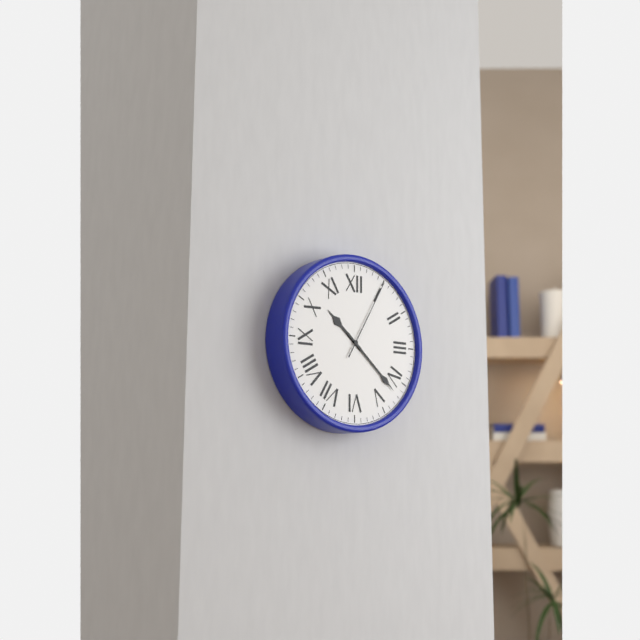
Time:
10:22:05
